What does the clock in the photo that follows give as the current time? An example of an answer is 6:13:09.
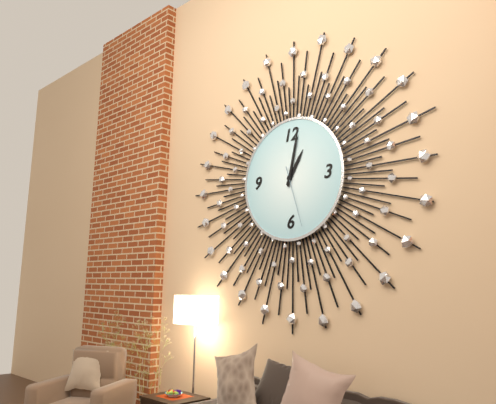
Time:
1:02:27
